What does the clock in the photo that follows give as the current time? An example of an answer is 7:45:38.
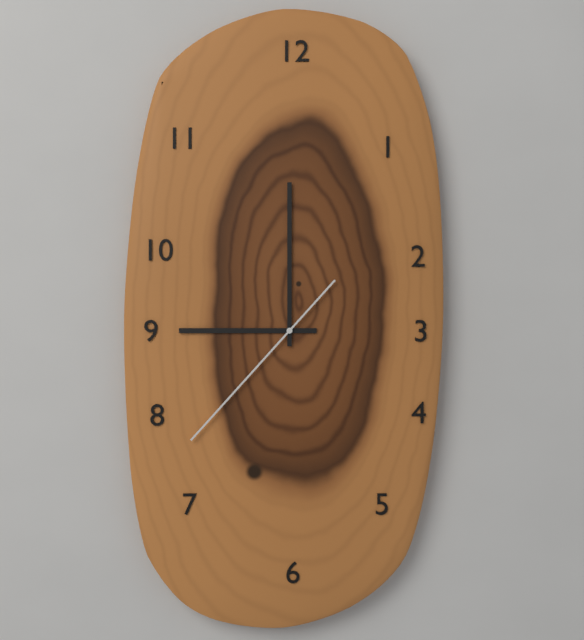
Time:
9:00:37
